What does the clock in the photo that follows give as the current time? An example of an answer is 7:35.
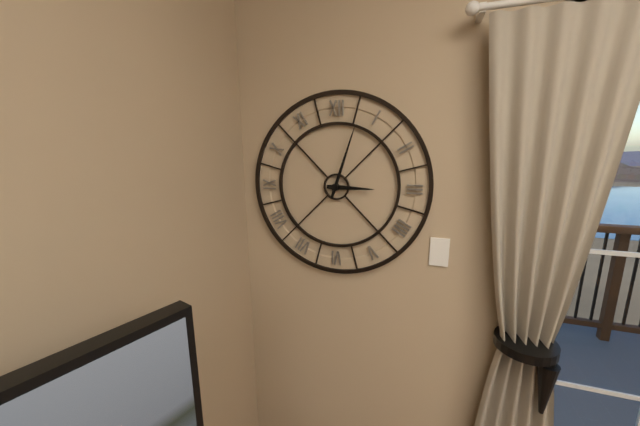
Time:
3:03
